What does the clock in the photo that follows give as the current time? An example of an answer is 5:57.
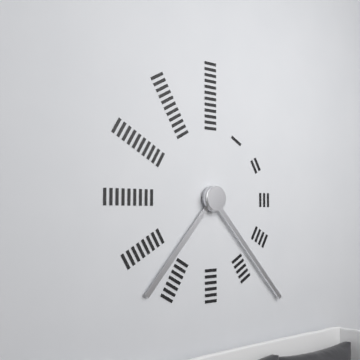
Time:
7:23
